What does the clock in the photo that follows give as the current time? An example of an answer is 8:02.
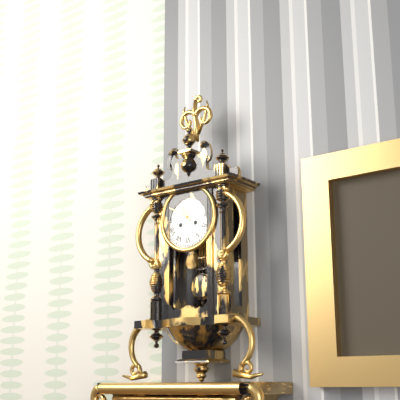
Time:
10:50
